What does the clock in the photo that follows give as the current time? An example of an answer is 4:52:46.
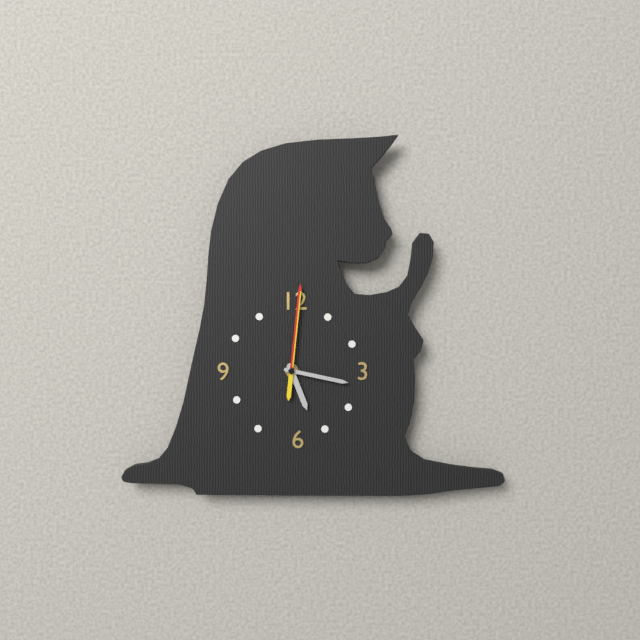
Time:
5:17:01
